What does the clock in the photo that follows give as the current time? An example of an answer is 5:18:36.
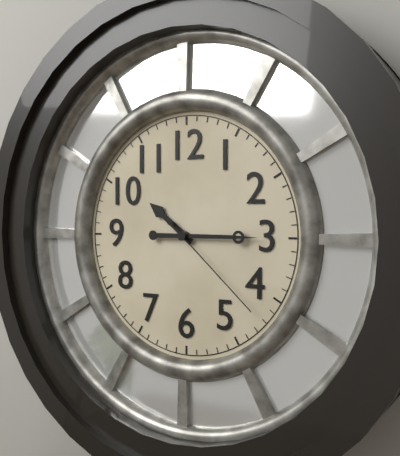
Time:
10:15:22
